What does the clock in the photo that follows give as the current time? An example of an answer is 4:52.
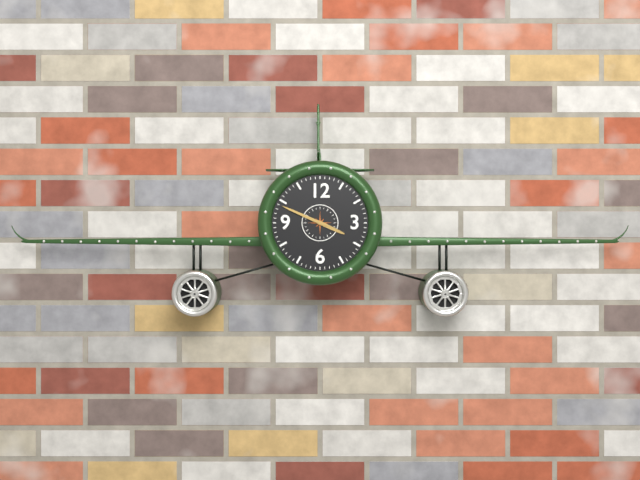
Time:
3:49
